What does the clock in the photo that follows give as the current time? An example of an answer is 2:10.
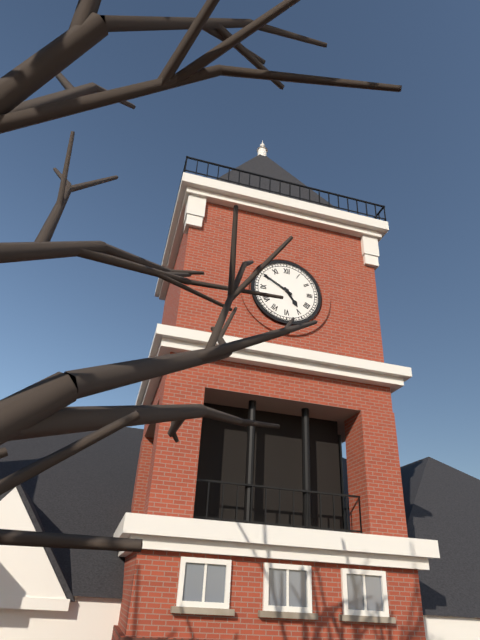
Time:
4:50
